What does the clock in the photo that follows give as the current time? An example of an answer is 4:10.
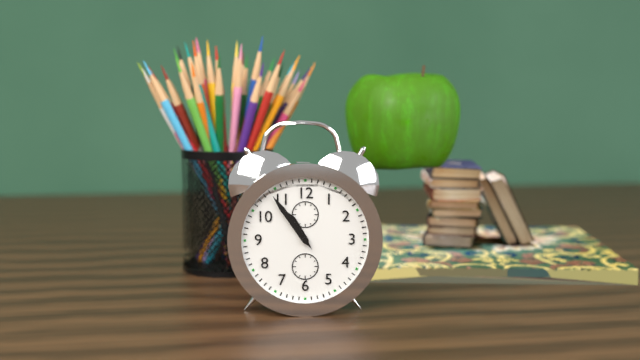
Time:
10:54
